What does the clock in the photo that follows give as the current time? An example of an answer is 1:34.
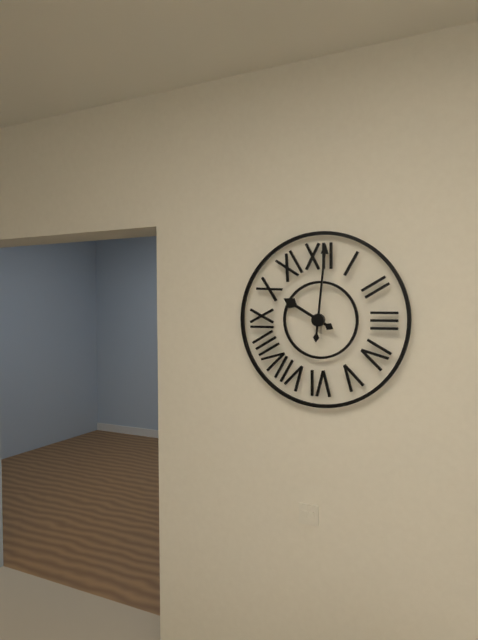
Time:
10:01
